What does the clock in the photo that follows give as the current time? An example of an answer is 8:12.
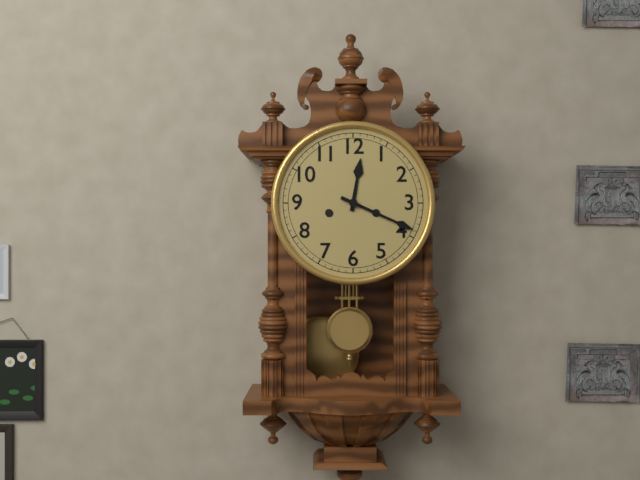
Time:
12:19
